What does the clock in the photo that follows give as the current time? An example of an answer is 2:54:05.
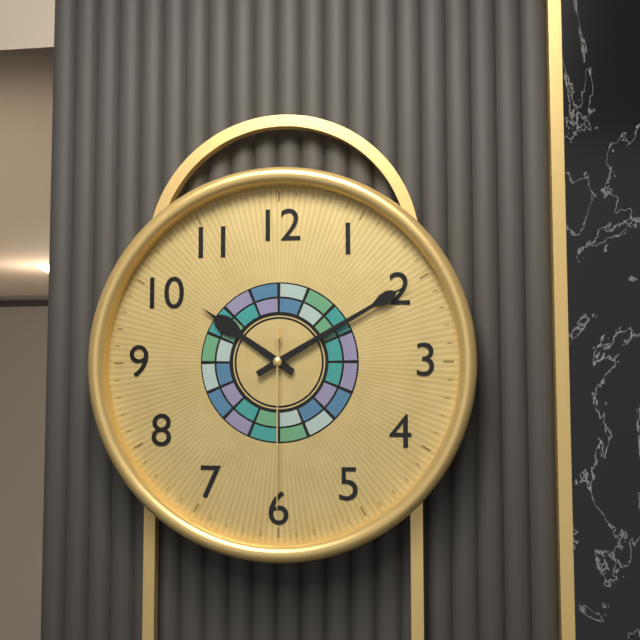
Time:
10:10:30
